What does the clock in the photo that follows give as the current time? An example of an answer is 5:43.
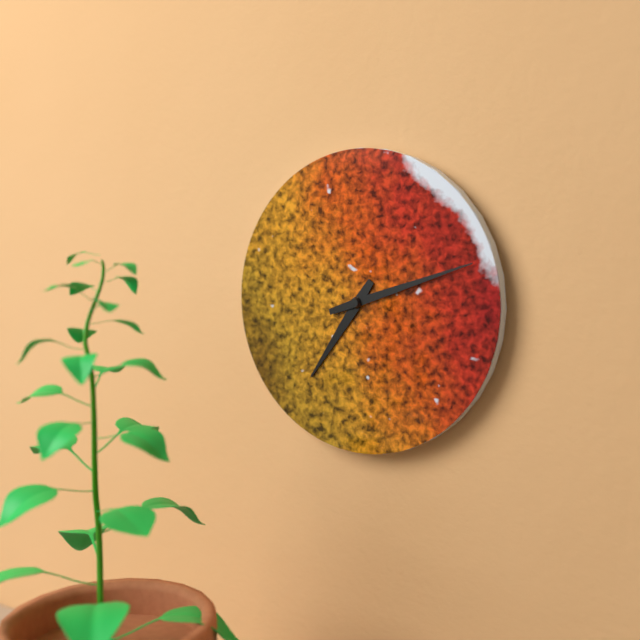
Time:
7:12
